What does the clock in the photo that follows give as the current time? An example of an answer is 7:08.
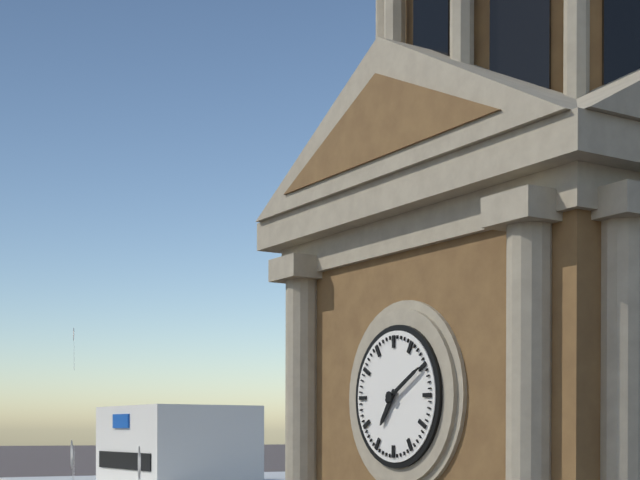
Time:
7:10
